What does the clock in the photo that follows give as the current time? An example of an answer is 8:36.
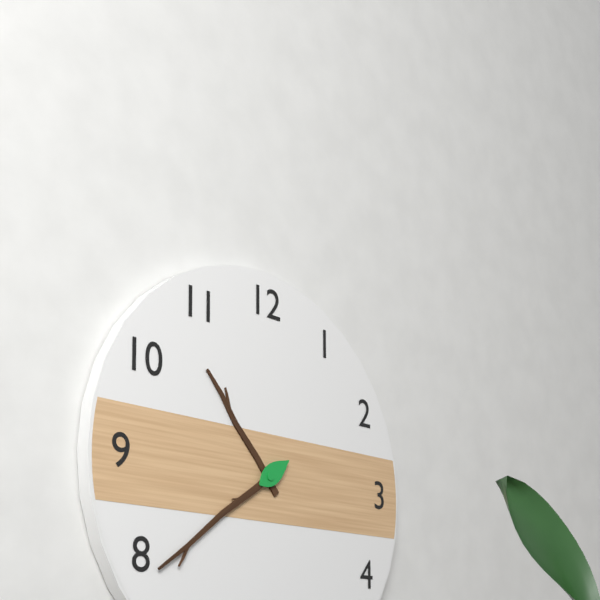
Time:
10:39
